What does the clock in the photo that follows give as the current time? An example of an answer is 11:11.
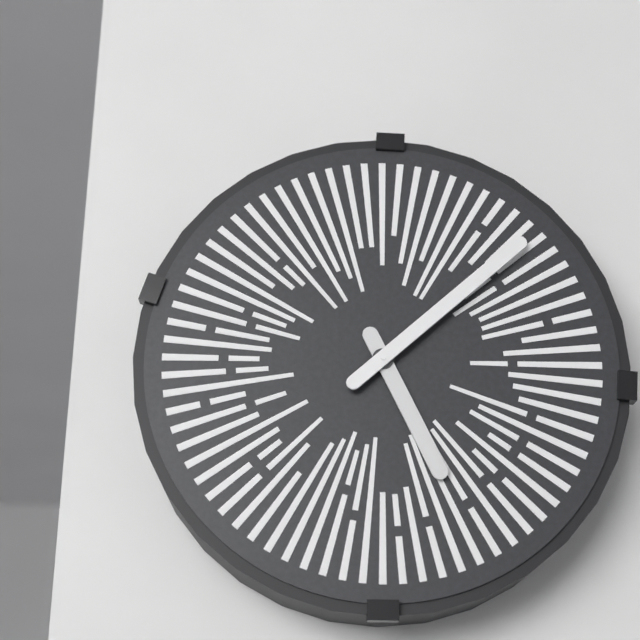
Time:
5:08
